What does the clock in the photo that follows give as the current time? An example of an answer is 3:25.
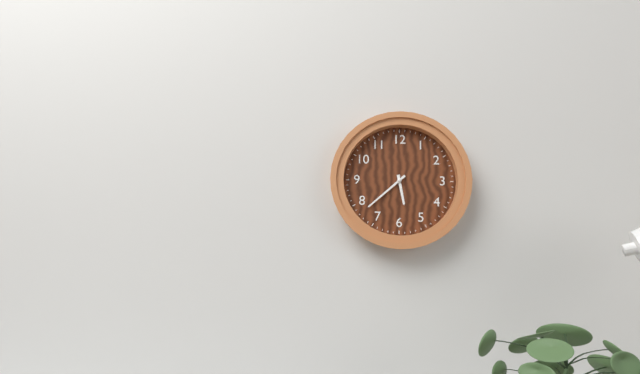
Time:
5:38
